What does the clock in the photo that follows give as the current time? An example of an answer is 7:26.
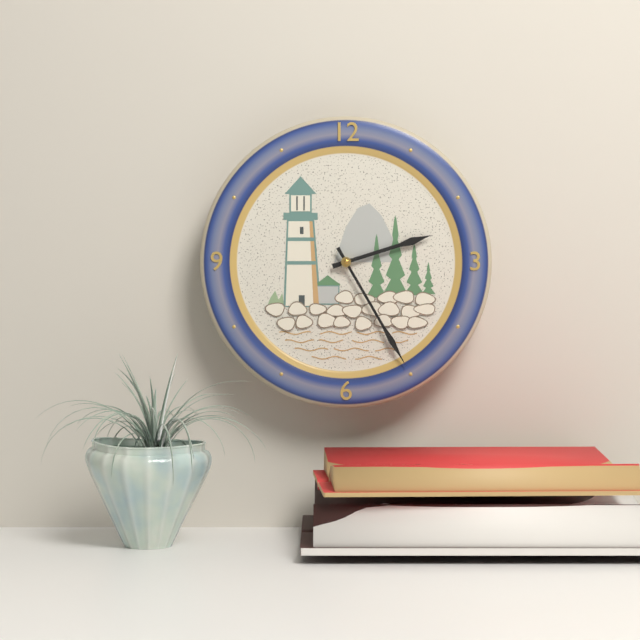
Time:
2:25
